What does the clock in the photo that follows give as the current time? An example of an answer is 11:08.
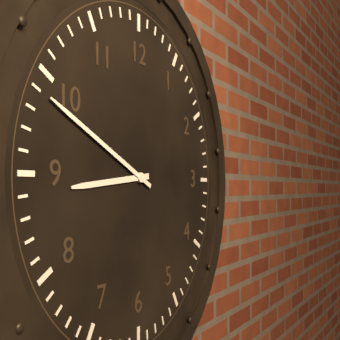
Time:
8:49
